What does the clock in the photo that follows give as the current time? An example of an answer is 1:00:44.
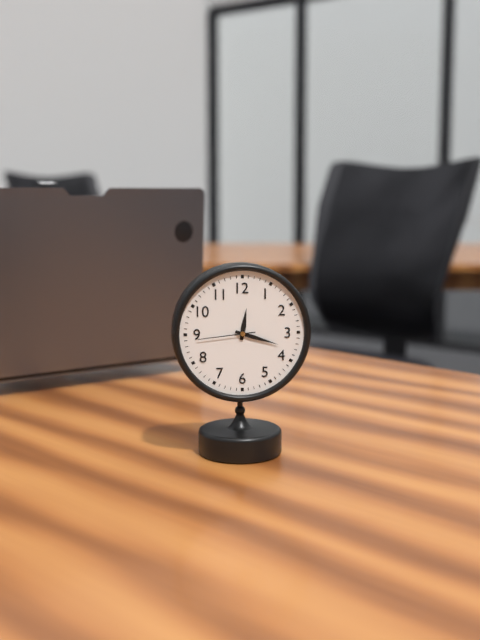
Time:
12:18:44
